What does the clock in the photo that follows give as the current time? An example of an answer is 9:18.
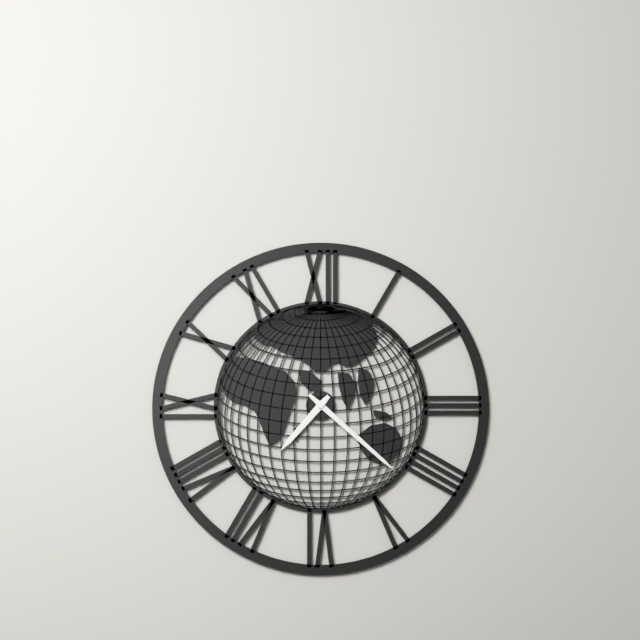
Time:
7:22
